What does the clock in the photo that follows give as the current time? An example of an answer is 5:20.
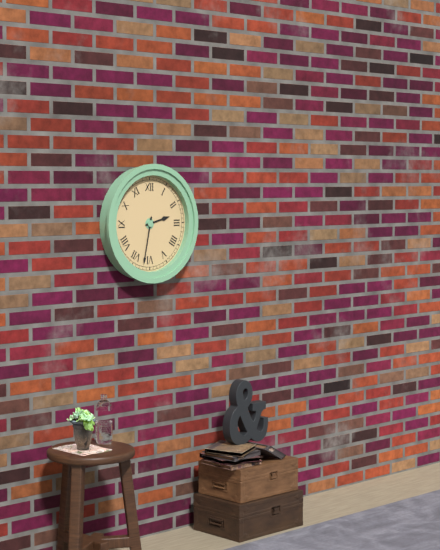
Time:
2:32
